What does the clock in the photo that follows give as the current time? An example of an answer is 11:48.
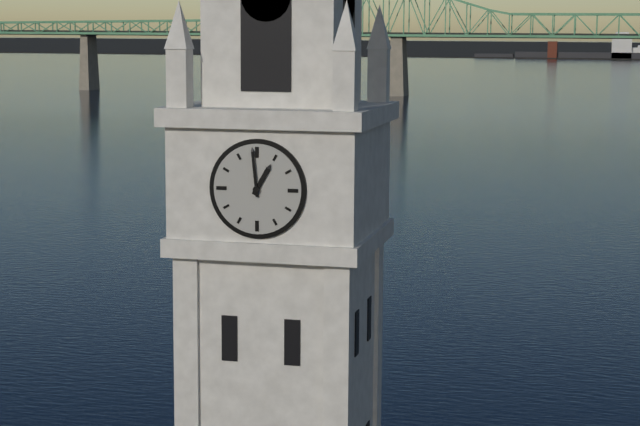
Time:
12:59
